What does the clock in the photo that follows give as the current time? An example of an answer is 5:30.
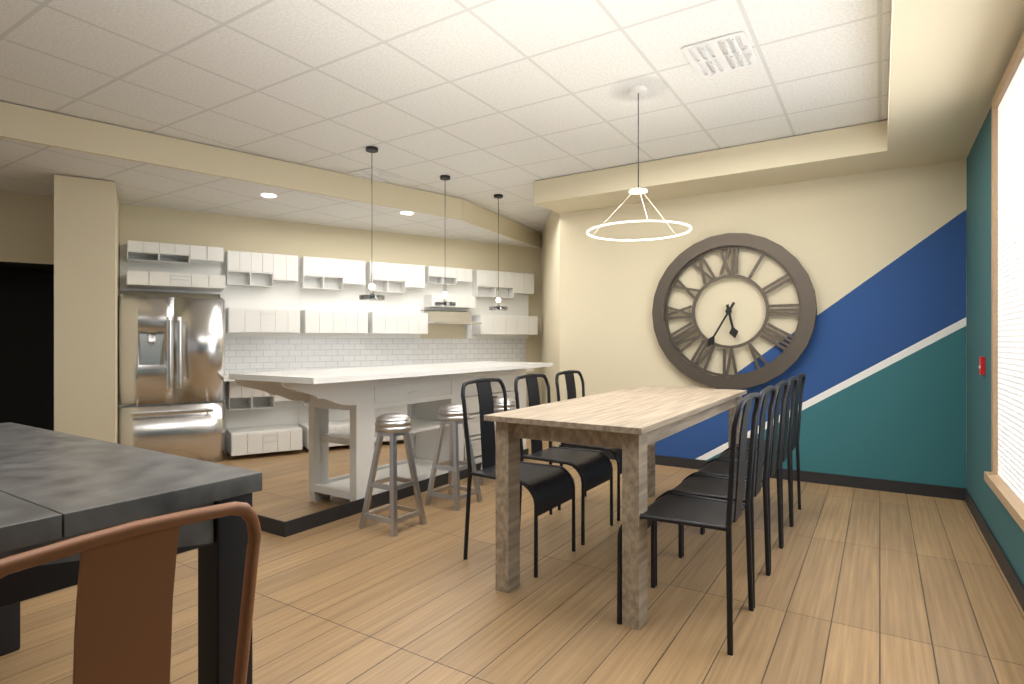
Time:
5:35
